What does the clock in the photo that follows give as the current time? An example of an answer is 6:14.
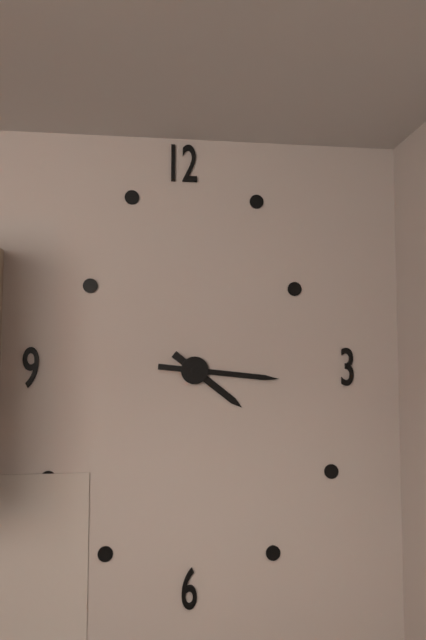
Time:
4:16
